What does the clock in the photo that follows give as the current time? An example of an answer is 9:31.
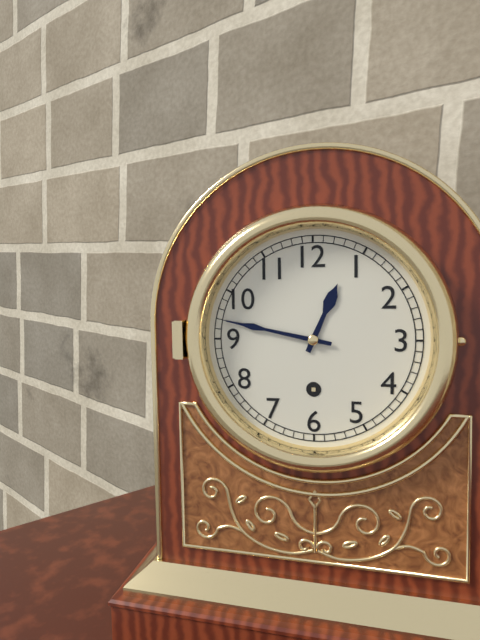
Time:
12:47
